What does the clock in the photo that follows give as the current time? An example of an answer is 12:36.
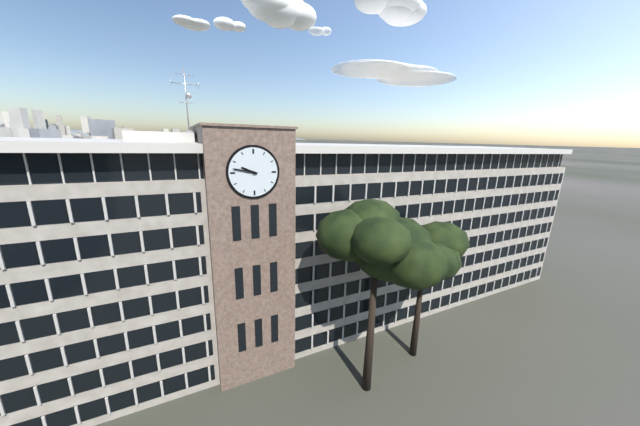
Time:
9:47
